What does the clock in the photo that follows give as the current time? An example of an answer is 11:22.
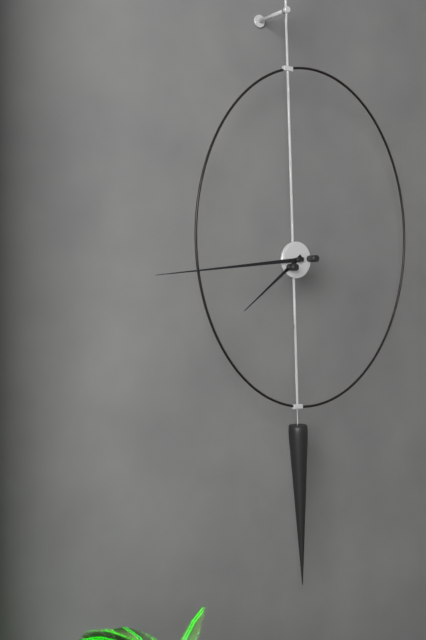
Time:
7:44
